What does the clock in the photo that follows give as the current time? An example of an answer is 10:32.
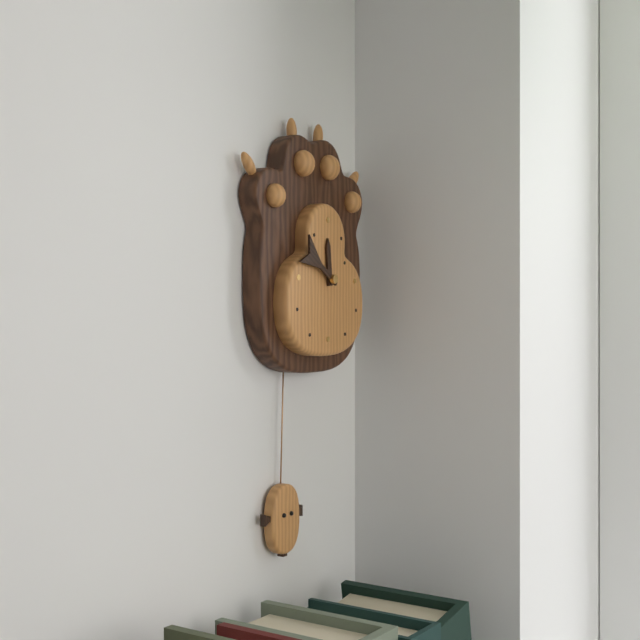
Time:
11:50
